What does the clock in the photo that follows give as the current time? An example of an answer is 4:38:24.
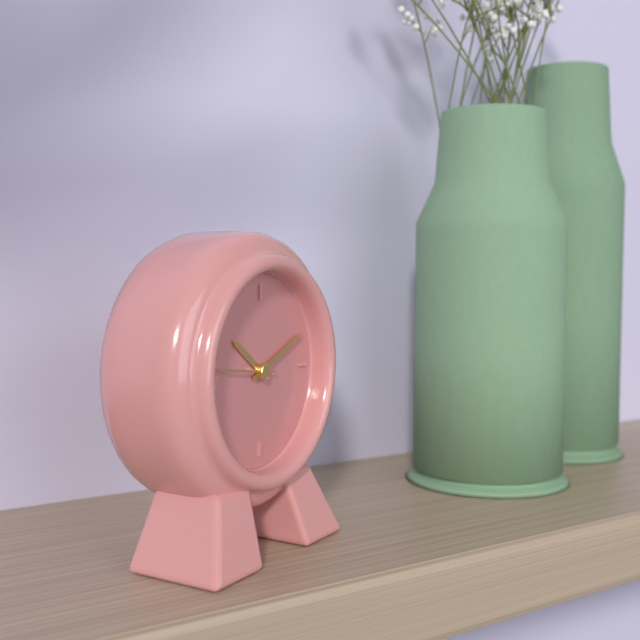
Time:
10:11:46
